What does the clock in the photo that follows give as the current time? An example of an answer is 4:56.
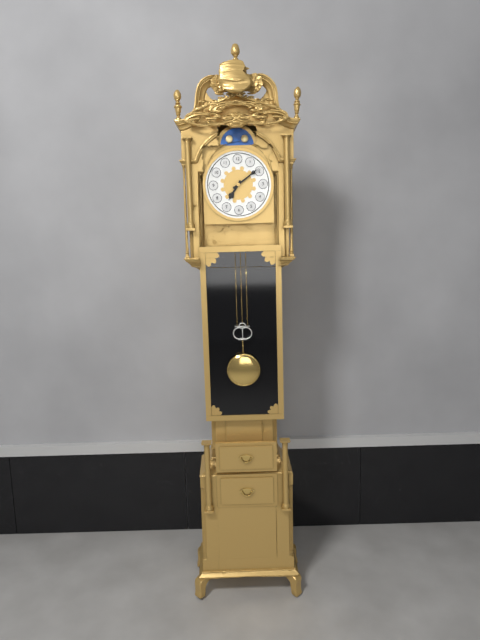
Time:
7:09
